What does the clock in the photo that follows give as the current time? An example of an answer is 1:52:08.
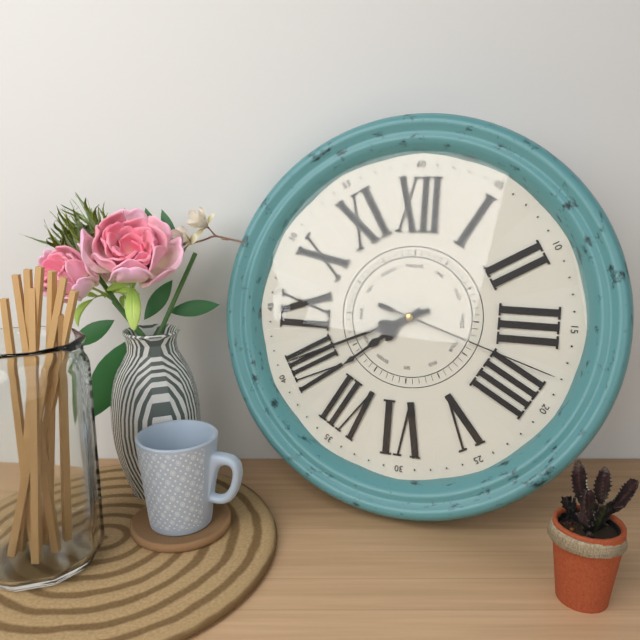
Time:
7:41:18
